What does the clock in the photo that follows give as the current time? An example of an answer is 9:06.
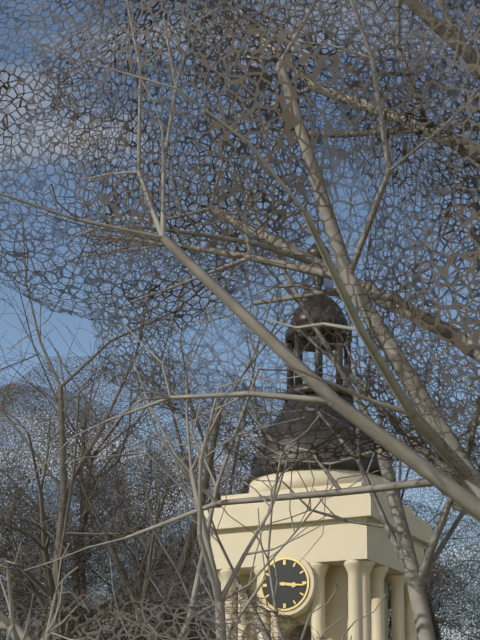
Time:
3:16
